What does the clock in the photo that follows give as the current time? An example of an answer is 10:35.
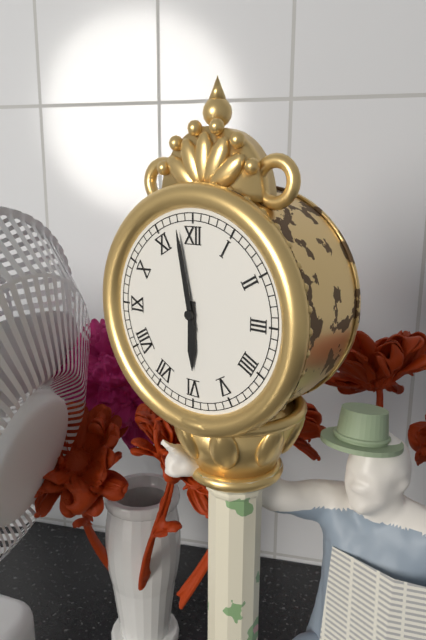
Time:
5:58
